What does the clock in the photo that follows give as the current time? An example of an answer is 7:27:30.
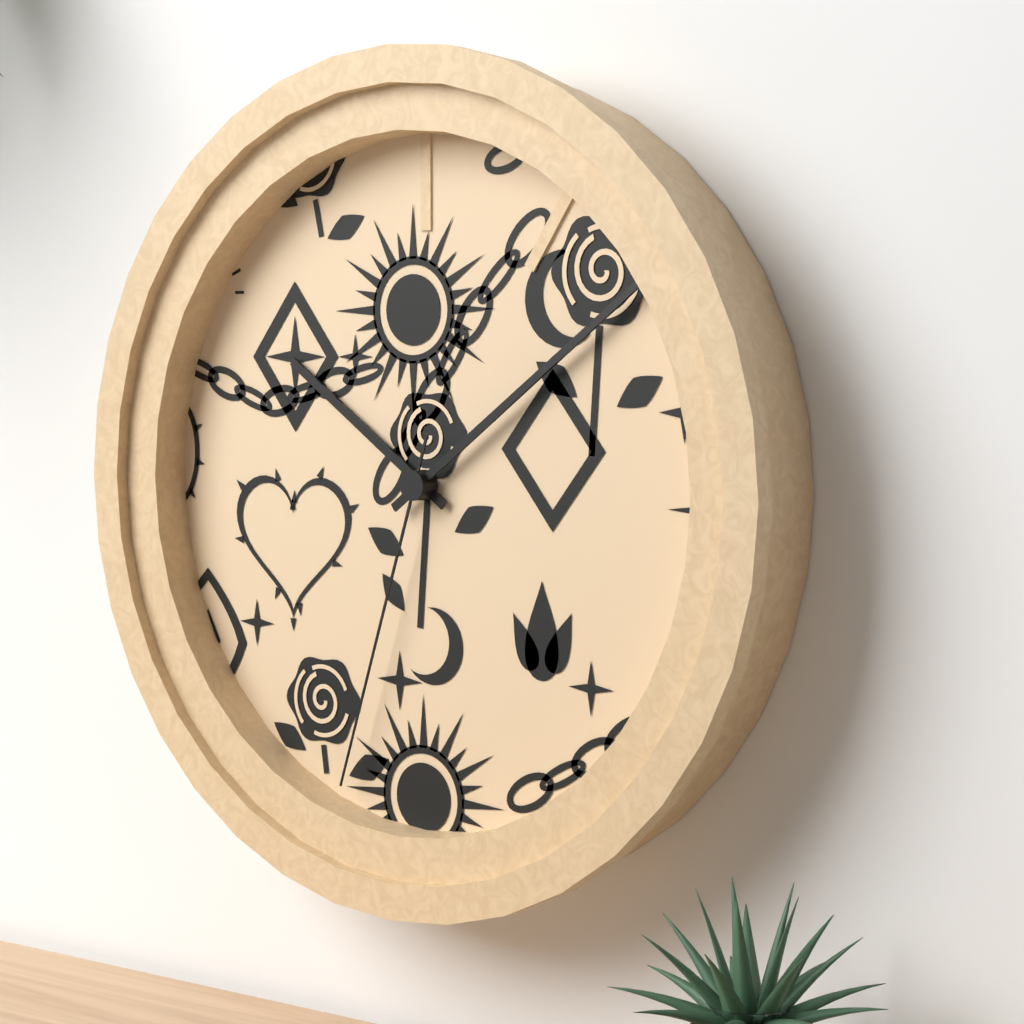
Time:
10:09:33
